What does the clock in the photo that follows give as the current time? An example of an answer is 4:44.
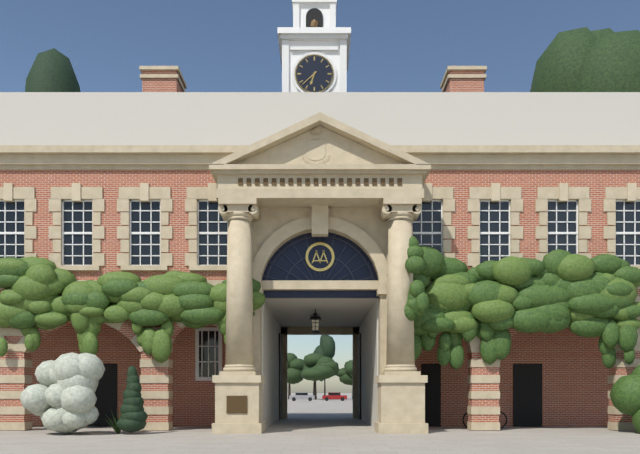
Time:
6:38
